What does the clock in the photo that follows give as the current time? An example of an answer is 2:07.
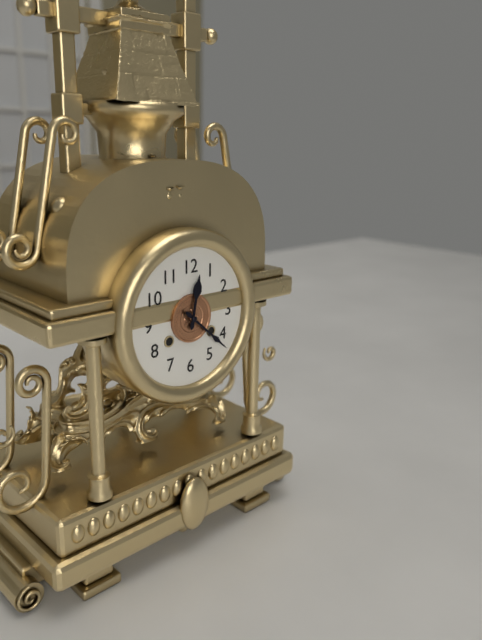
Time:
12:22
